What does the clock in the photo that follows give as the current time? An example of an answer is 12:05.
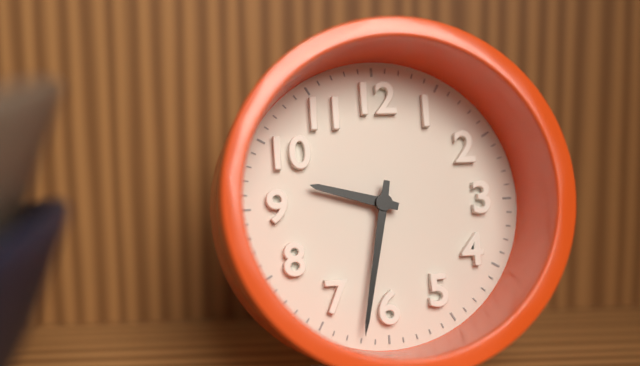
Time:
9:32
